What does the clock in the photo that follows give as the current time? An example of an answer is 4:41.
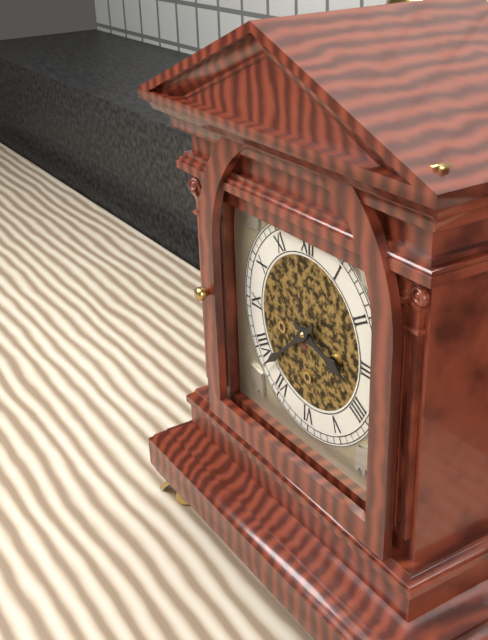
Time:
3:38
